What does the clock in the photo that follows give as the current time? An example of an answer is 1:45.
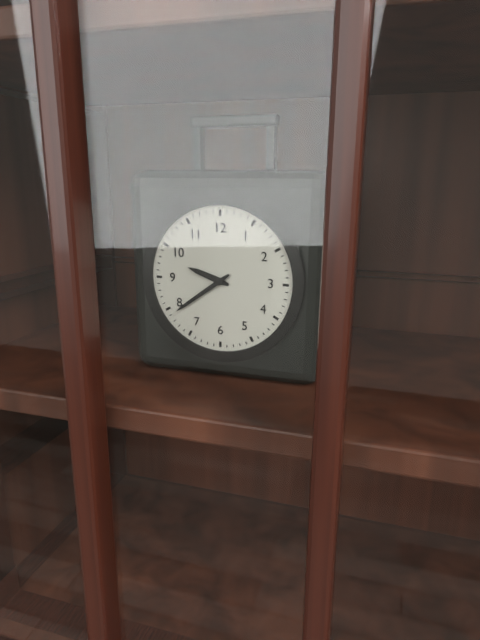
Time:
9:39
